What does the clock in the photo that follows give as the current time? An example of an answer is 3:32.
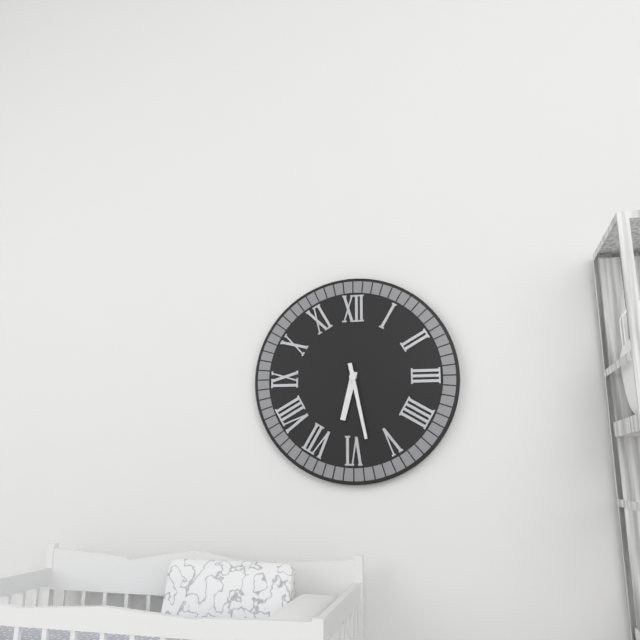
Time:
6:28
